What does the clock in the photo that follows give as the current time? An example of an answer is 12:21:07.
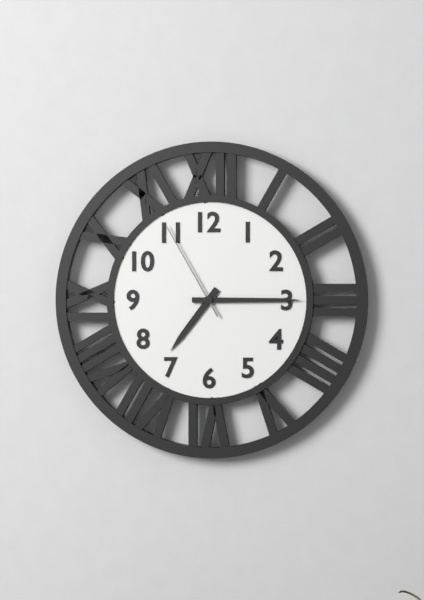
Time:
7:15:55
